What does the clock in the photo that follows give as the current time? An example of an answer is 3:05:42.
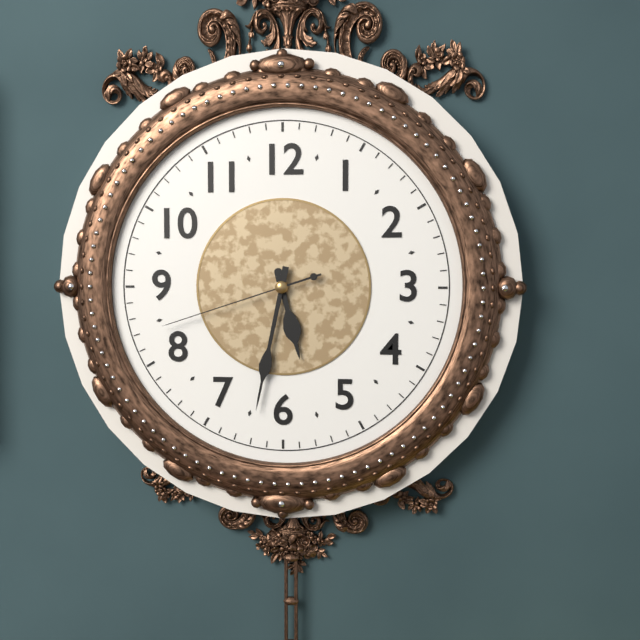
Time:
5:32:42
